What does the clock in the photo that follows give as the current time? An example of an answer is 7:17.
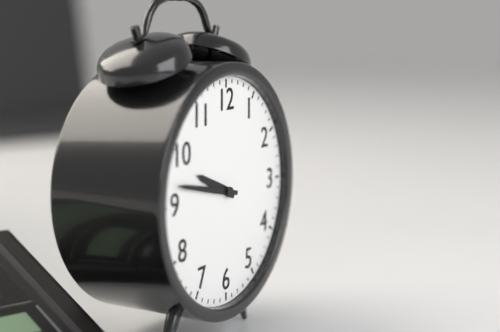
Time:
9:47
